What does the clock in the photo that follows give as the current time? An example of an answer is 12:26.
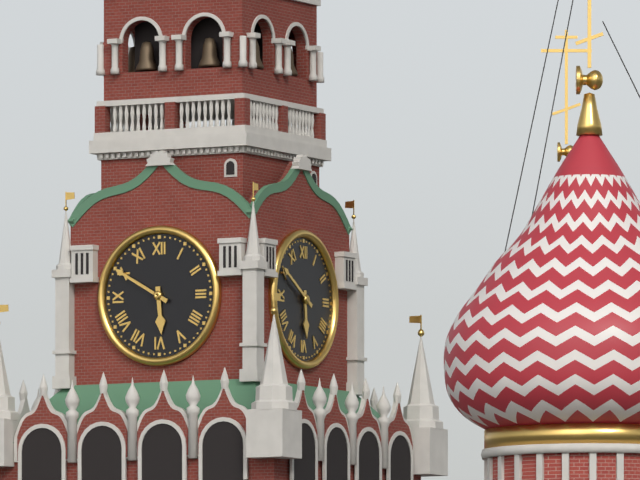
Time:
5:50
